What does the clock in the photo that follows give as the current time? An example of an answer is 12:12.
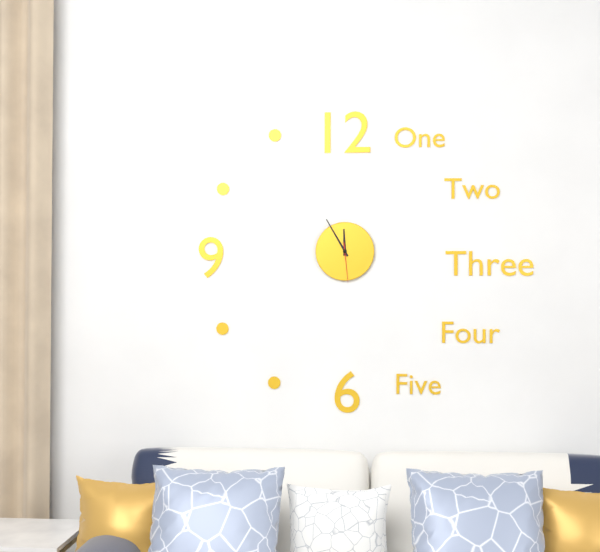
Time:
11:55
